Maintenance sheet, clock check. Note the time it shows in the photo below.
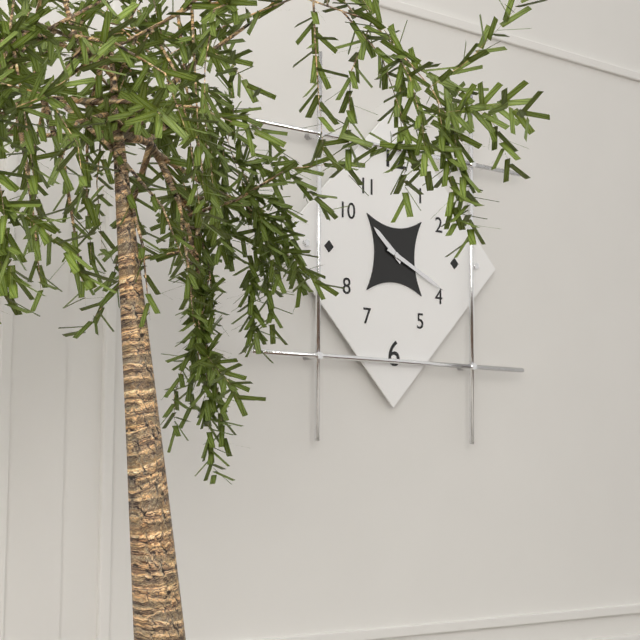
10:19
